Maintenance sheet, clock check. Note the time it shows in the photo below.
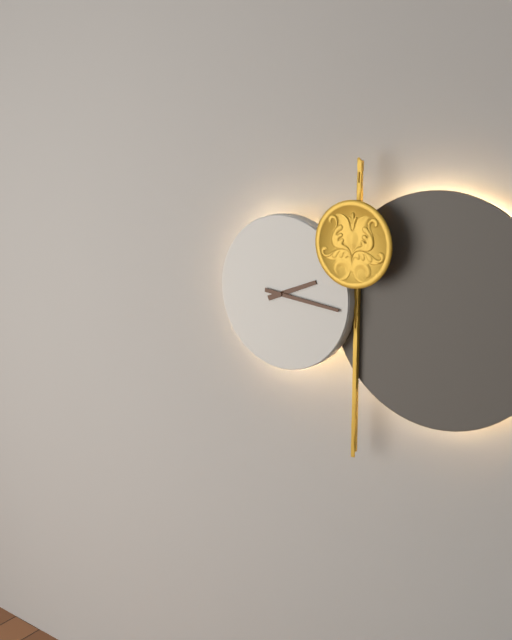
2:16
